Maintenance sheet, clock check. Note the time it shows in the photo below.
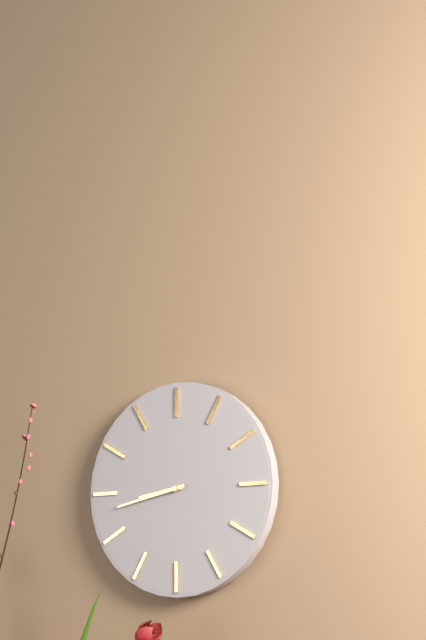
8:43
